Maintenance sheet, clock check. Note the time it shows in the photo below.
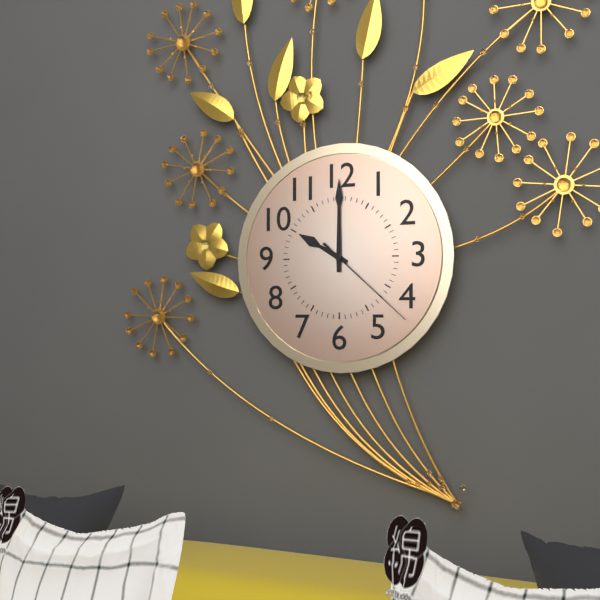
10:00:22
